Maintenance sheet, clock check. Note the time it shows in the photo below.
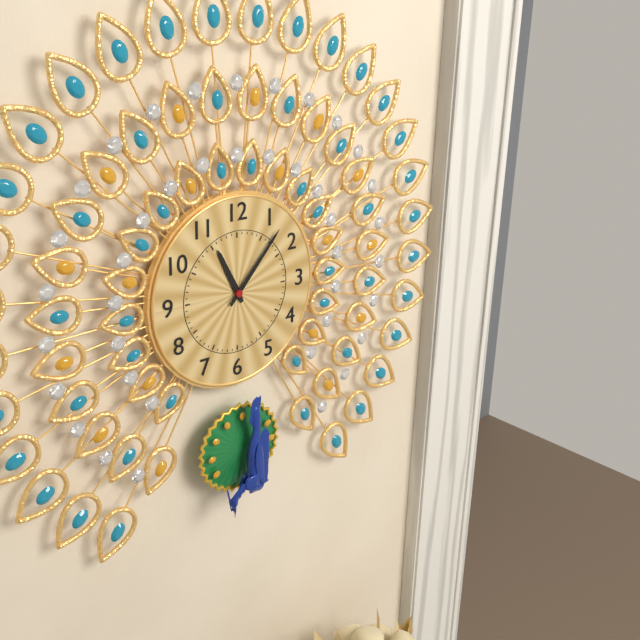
11:07
